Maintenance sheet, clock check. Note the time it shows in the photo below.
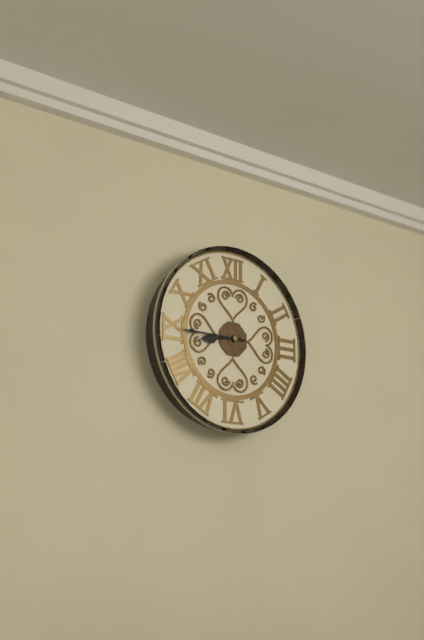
8:45
